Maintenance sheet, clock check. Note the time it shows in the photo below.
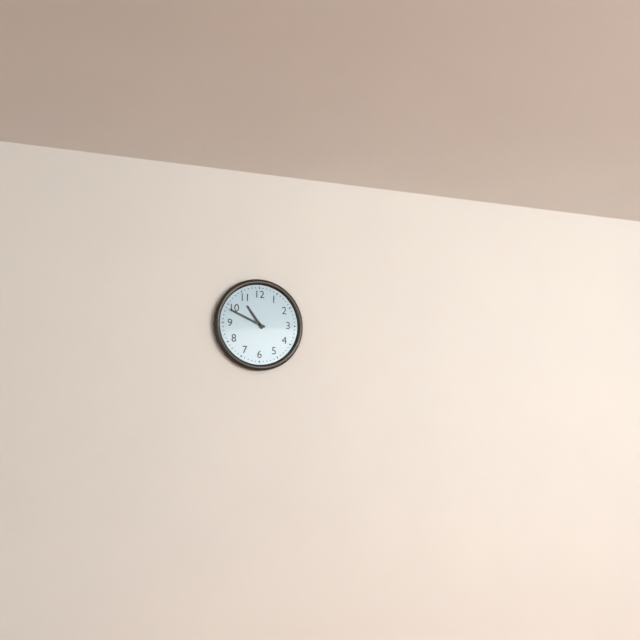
10:49
